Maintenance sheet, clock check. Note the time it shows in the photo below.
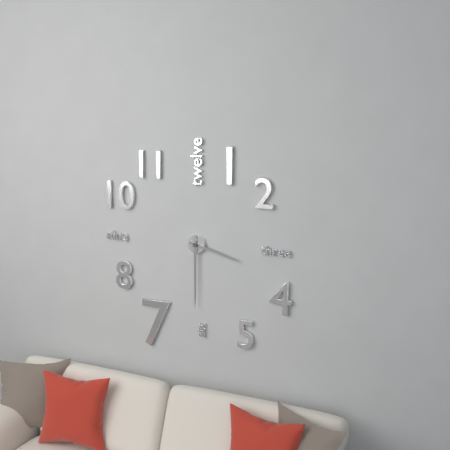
3:30
